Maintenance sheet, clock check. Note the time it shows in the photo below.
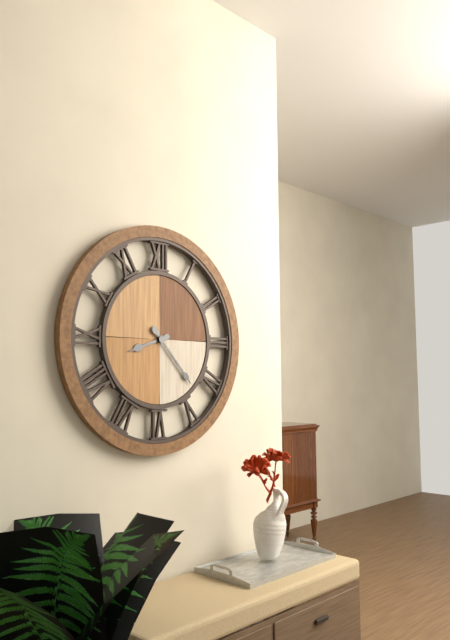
8:23
